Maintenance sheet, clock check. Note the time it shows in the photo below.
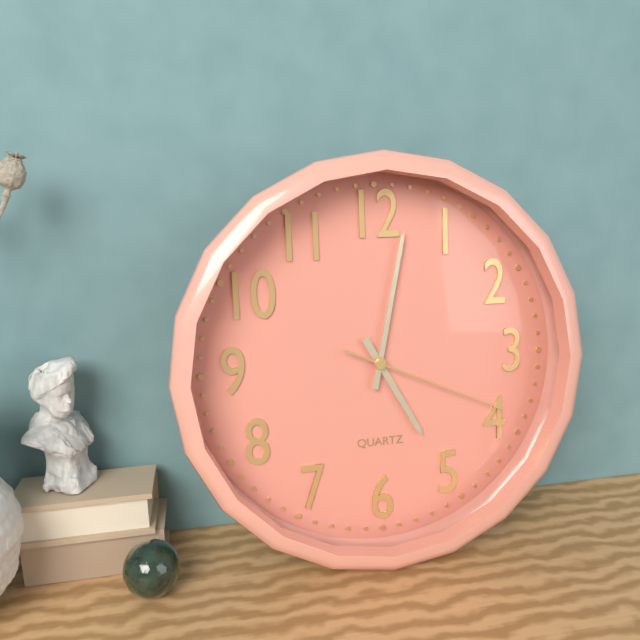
5:02:19
